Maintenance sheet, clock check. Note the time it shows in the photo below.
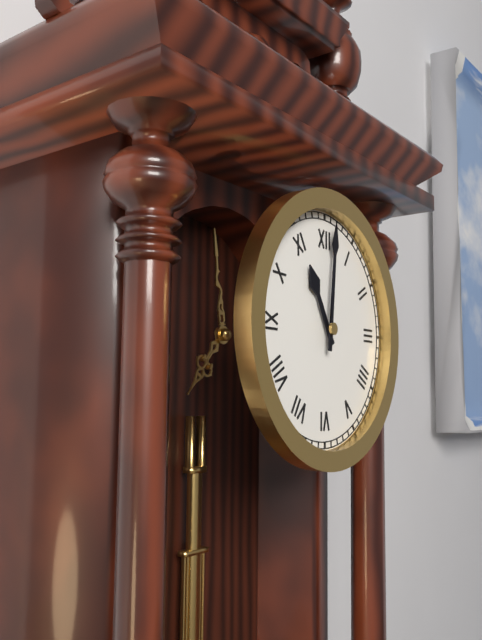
11:01
